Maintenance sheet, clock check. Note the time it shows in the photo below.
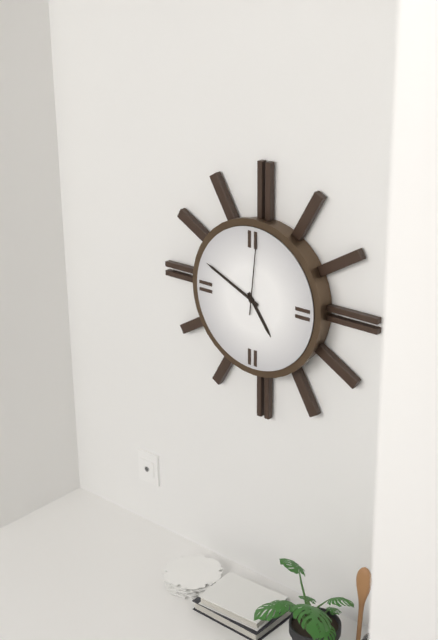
4:49:01
